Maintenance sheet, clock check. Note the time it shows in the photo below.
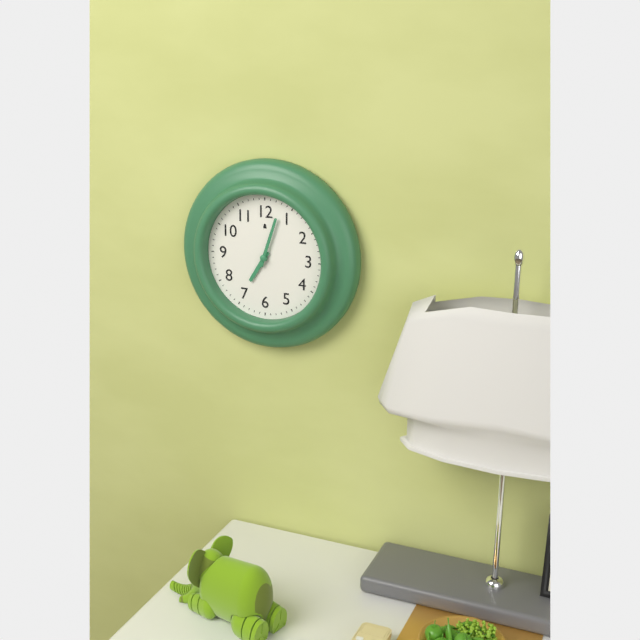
7:03
